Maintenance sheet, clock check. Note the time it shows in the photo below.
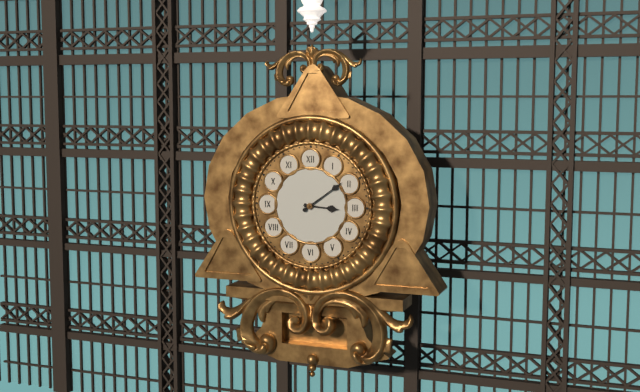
3:09
